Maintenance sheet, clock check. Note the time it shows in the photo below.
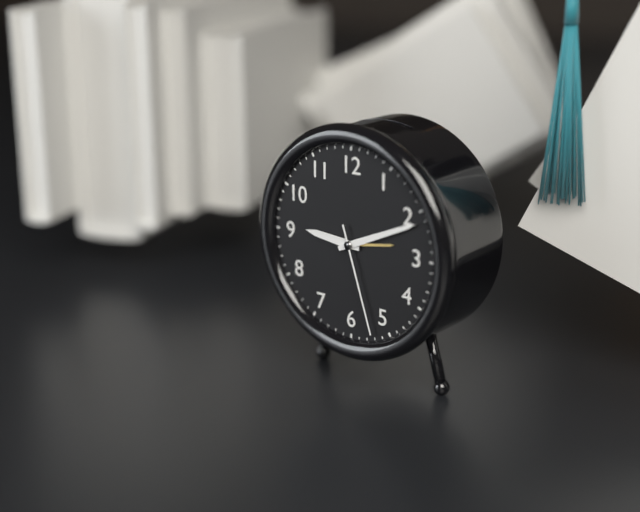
9:11:27
